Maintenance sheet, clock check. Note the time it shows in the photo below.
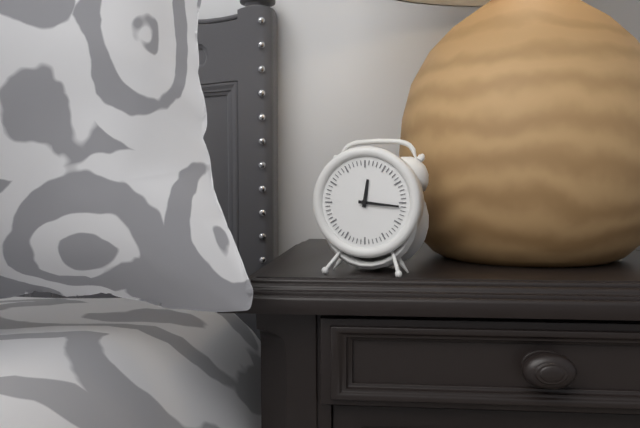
12:16
